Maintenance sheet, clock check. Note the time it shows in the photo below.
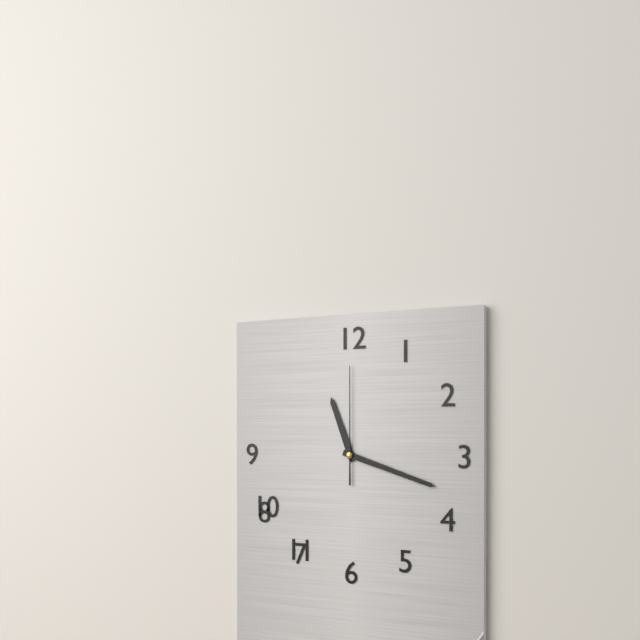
11:18:00
